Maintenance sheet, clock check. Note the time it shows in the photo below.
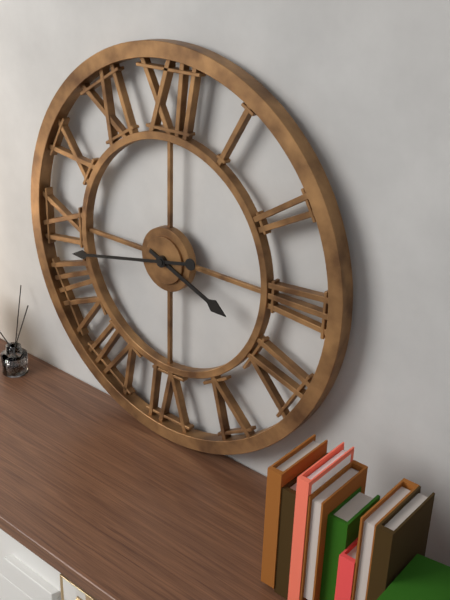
3:43
